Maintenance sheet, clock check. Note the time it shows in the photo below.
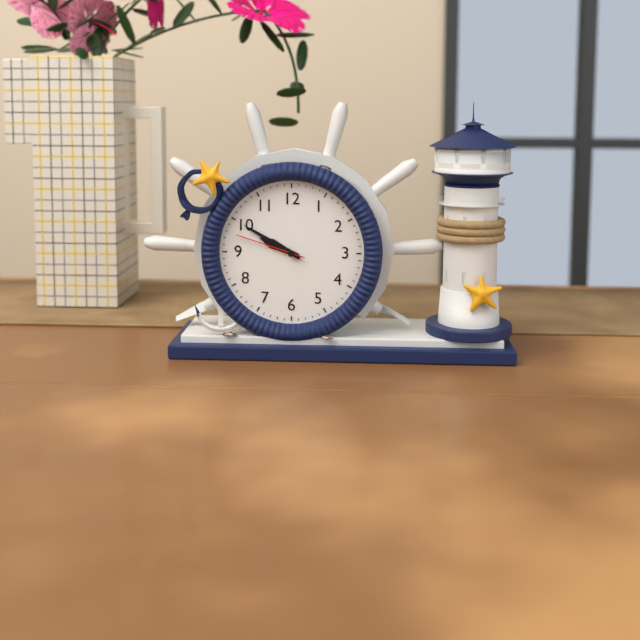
9:50:48
